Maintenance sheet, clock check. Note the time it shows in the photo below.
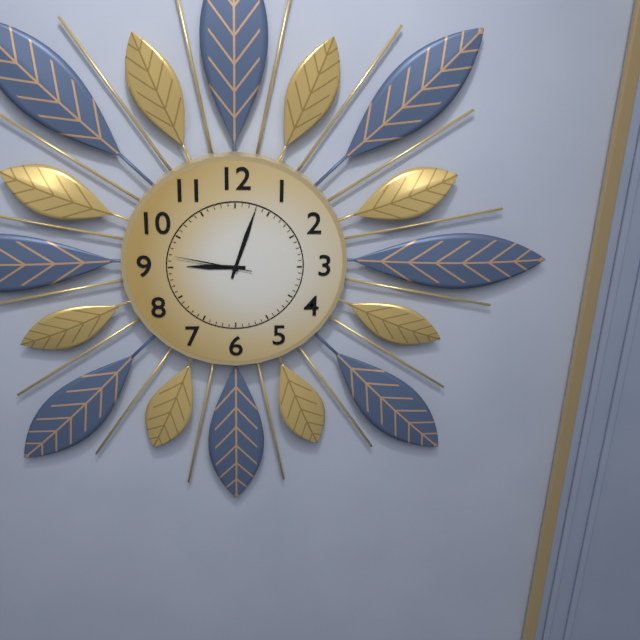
9:03:47
